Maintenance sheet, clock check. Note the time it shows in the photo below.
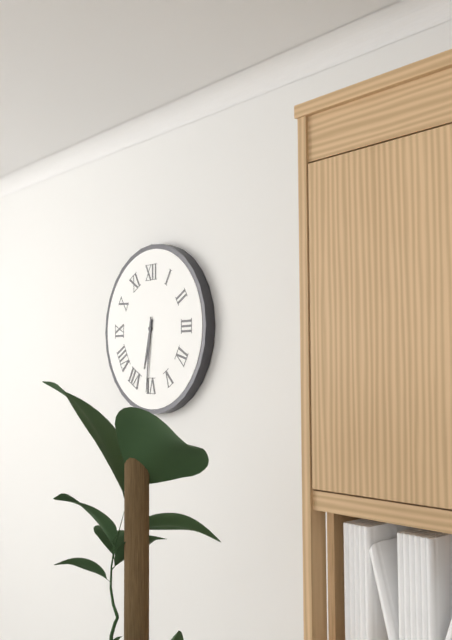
6:31
